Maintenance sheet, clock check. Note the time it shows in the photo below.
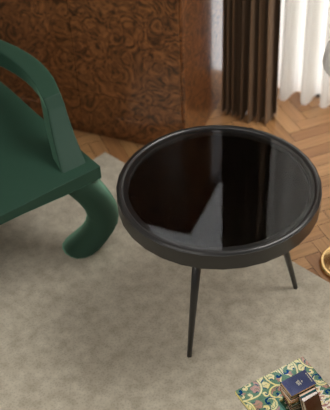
12:24
